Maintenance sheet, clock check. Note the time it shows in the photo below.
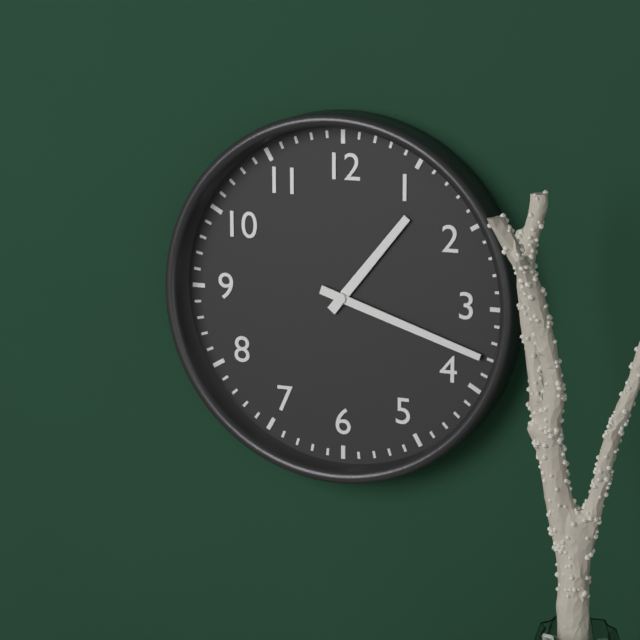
1:18
